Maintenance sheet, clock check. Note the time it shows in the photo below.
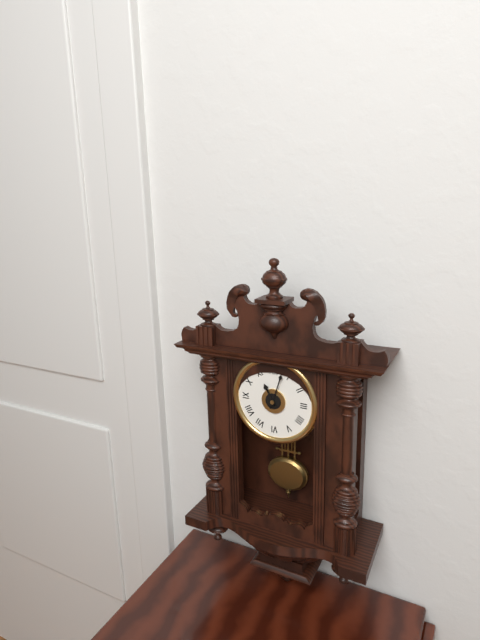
11:03
